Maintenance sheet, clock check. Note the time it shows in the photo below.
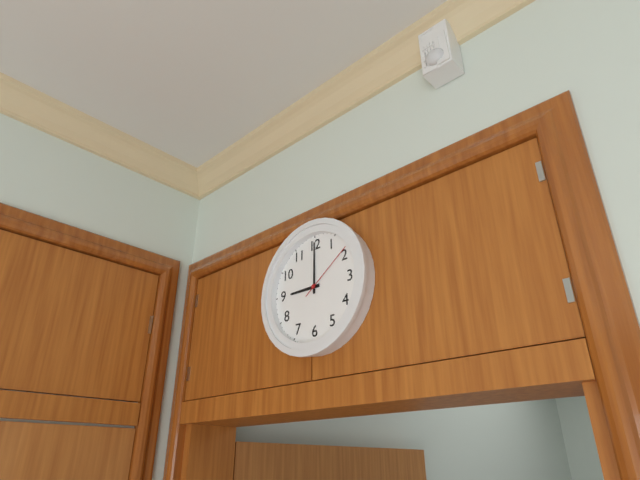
9:00:09
